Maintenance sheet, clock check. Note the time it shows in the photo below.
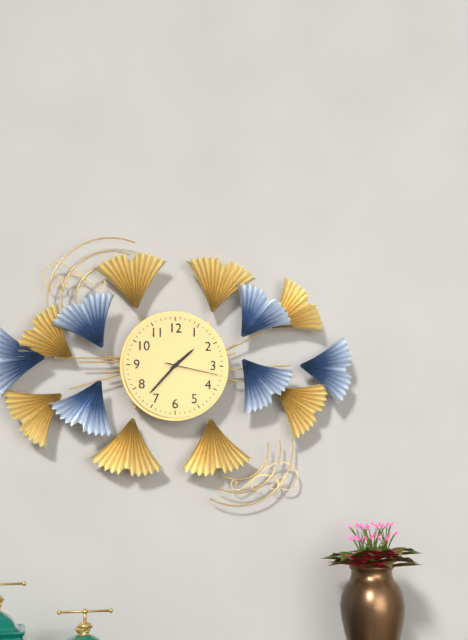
1:37:17
